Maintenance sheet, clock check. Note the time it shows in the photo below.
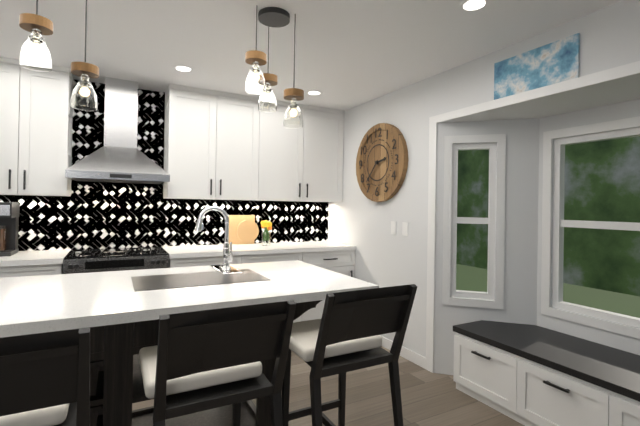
2:37
